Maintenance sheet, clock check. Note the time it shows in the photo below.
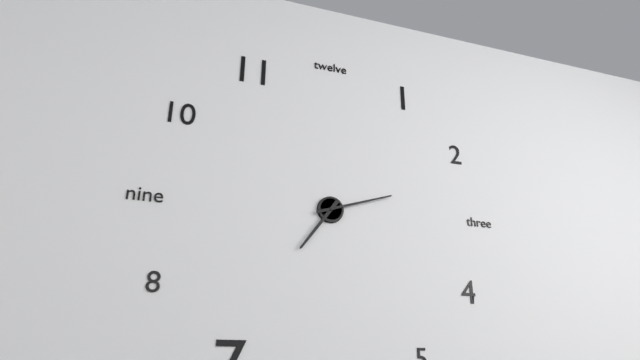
7:12
